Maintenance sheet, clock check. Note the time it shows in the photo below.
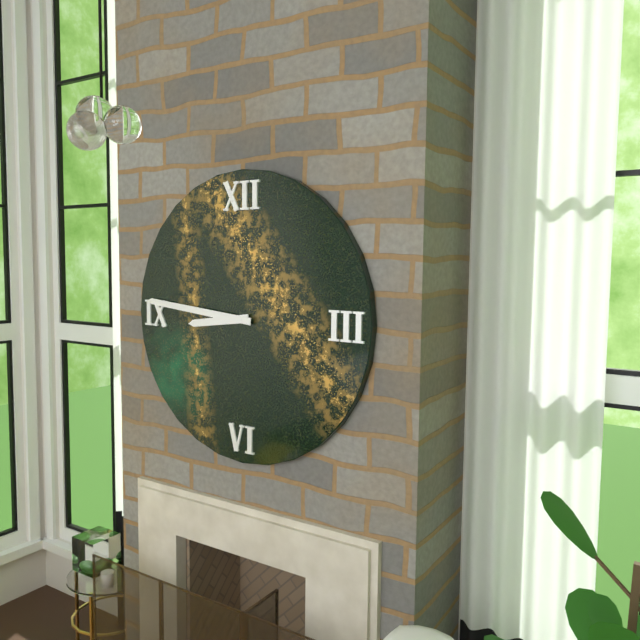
8:46
